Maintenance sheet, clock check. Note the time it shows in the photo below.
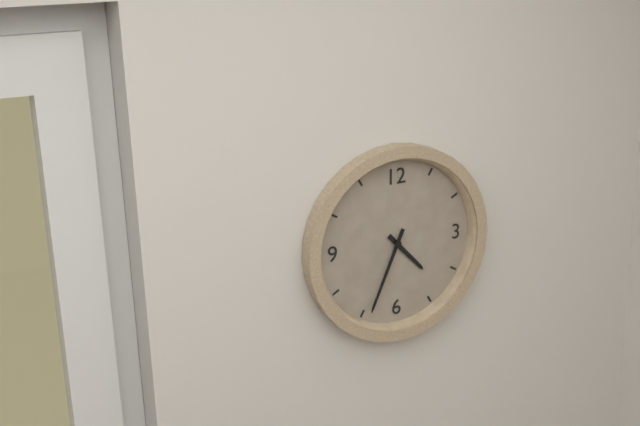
4:34
